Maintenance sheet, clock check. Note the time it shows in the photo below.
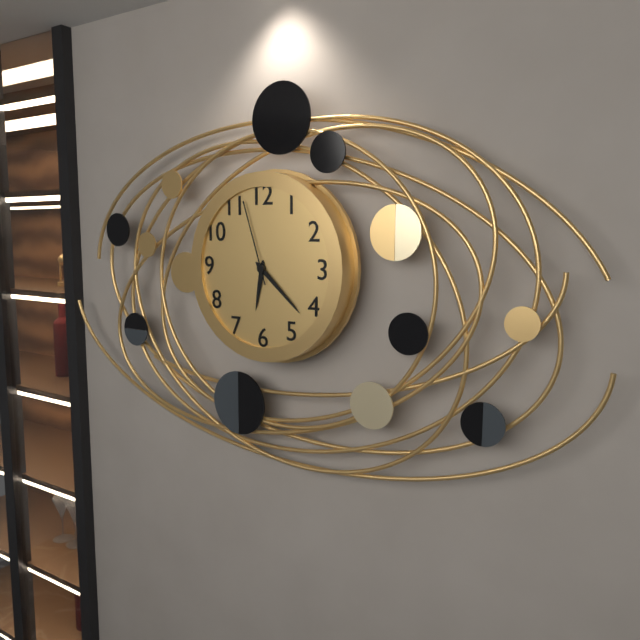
6:22:57
